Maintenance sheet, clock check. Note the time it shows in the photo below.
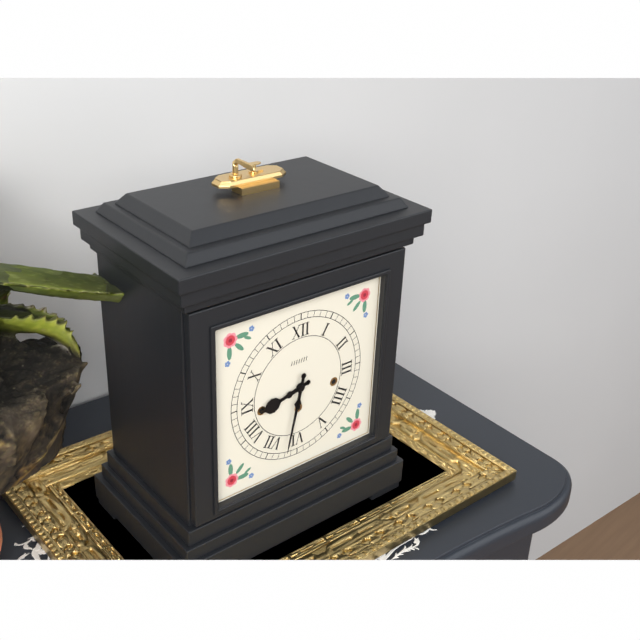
8:32
